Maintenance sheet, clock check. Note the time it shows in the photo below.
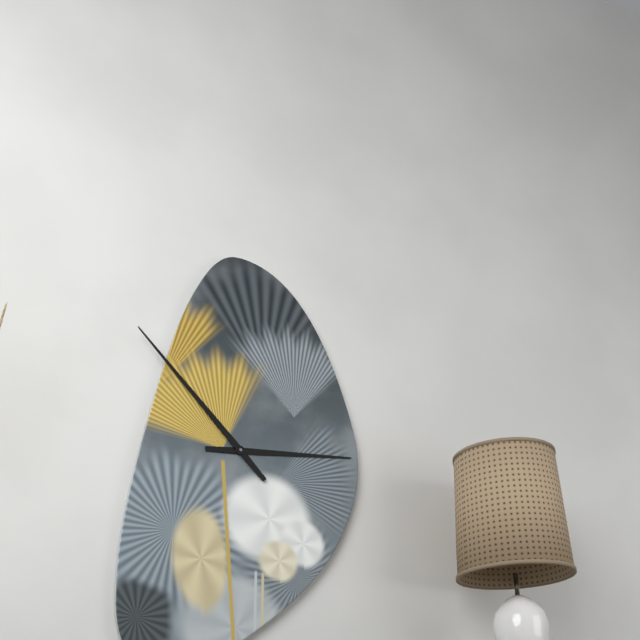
2:53
